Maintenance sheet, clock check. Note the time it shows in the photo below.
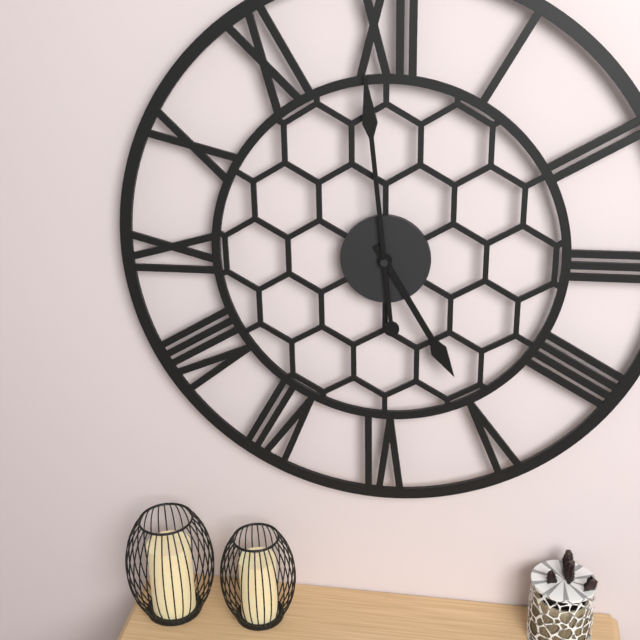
4:59
